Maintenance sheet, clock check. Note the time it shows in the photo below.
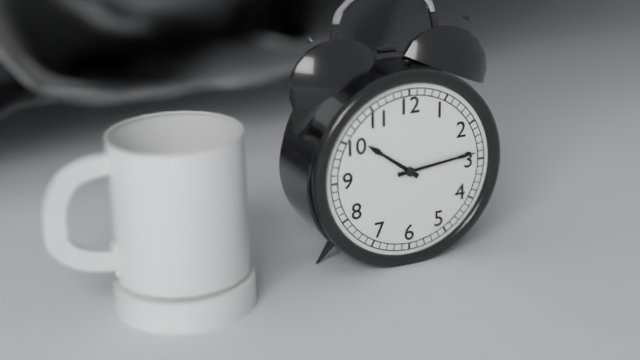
10:14
